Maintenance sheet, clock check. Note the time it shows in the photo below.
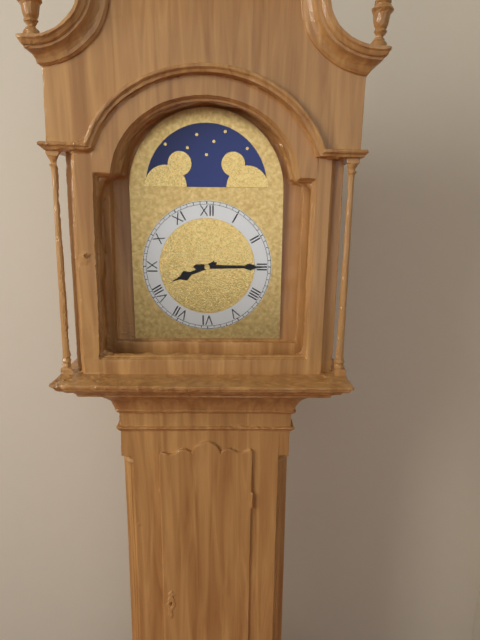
8:15
